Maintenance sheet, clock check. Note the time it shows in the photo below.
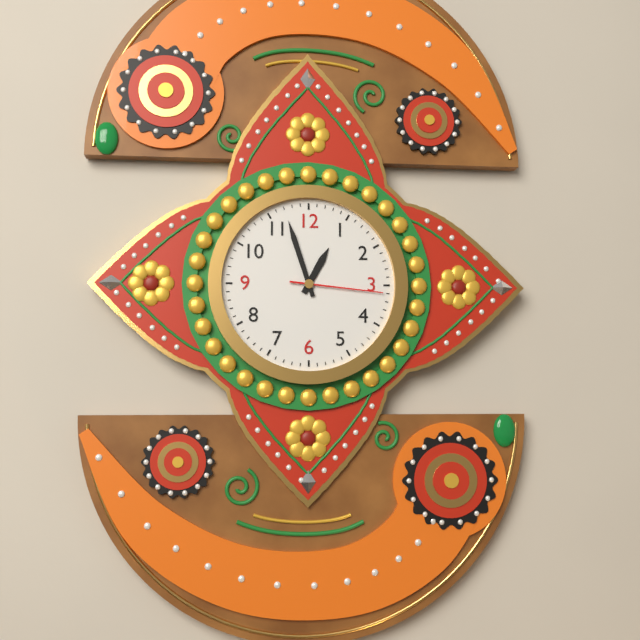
12:57:16
